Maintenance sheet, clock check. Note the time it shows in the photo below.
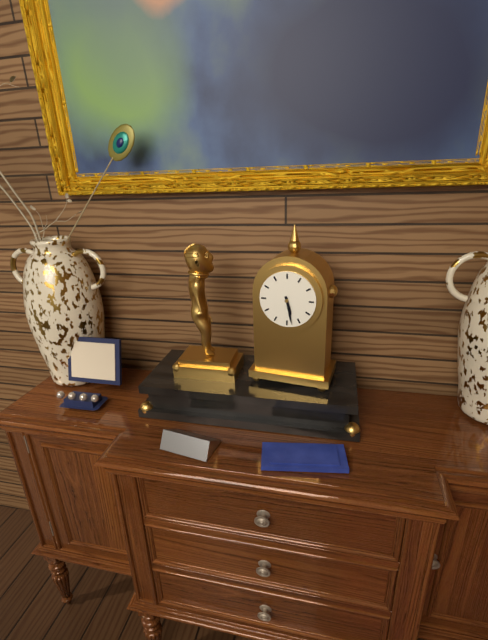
5:28
